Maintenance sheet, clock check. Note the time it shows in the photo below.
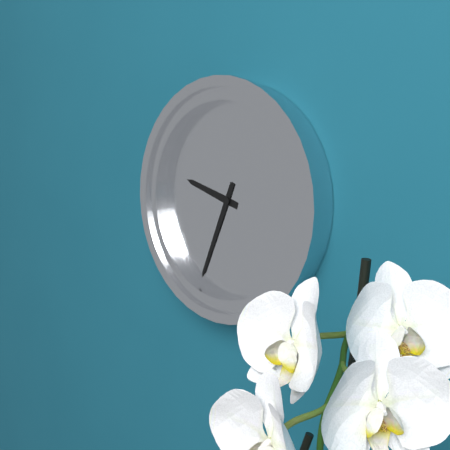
9:34
